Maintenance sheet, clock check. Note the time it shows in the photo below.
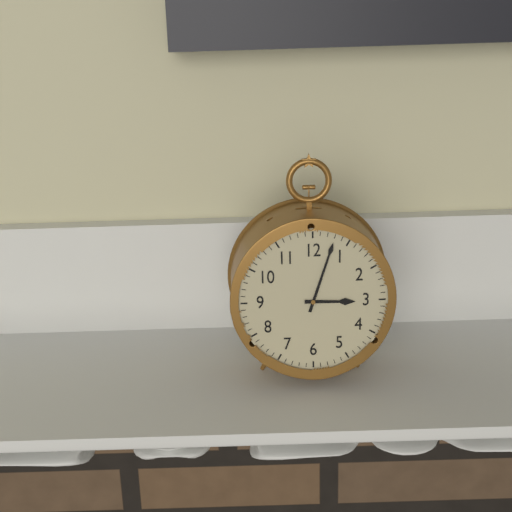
3:03
